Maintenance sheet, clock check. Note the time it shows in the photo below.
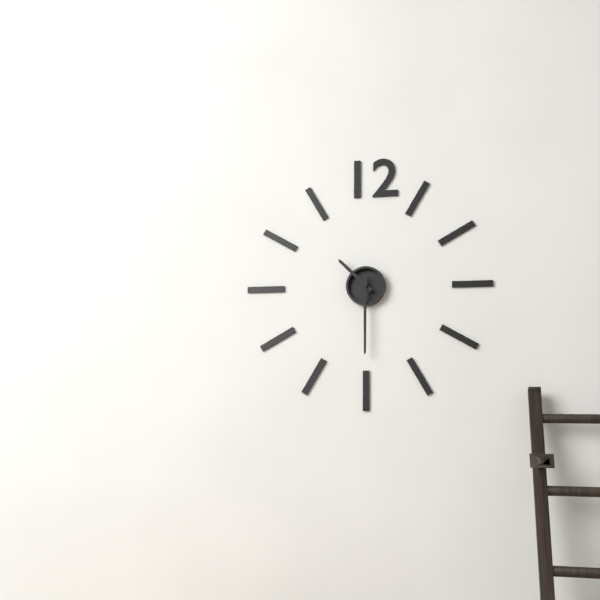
10:30
